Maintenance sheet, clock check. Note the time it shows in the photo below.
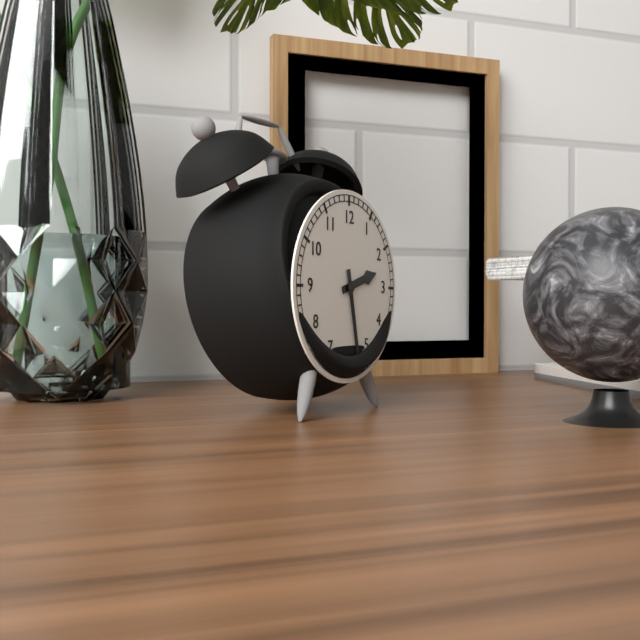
2:28
